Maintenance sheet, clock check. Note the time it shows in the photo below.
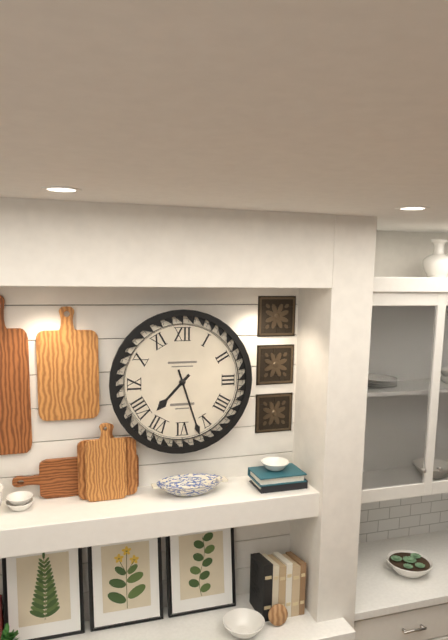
7:27
